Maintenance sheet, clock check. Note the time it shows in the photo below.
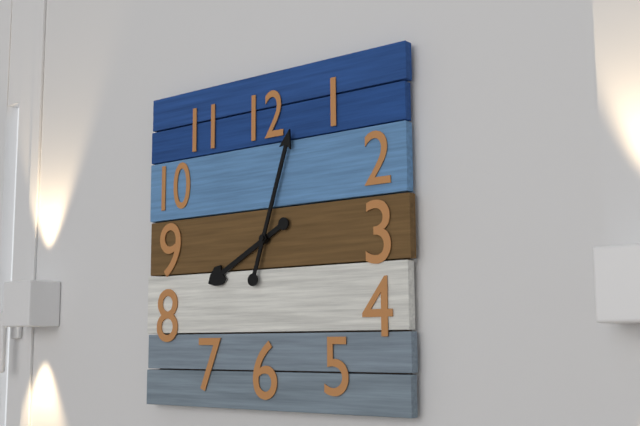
8:03
